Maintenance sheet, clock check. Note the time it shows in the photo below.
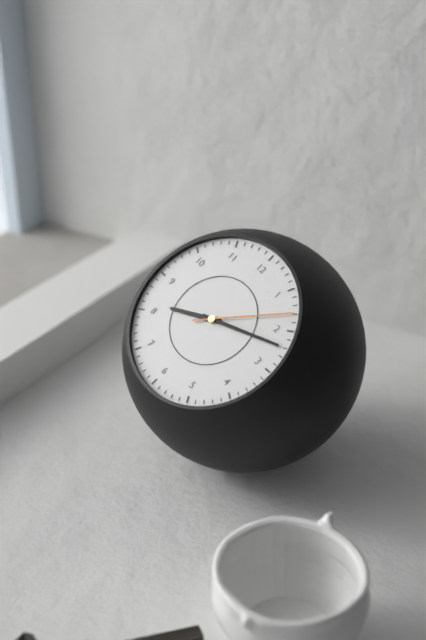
8:12:08
